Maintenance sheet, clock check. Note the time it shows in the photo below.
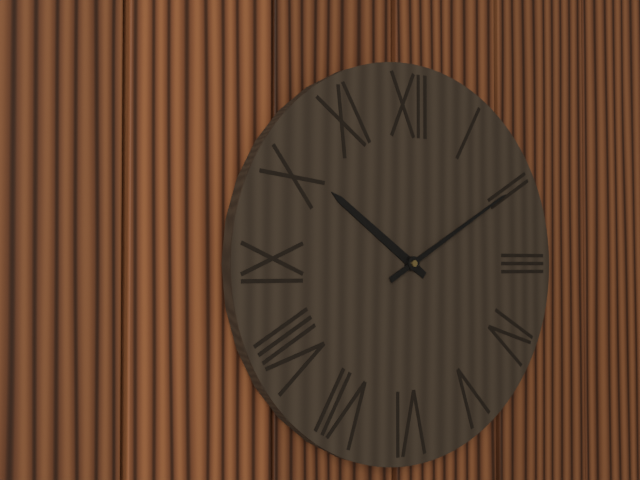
10:10
